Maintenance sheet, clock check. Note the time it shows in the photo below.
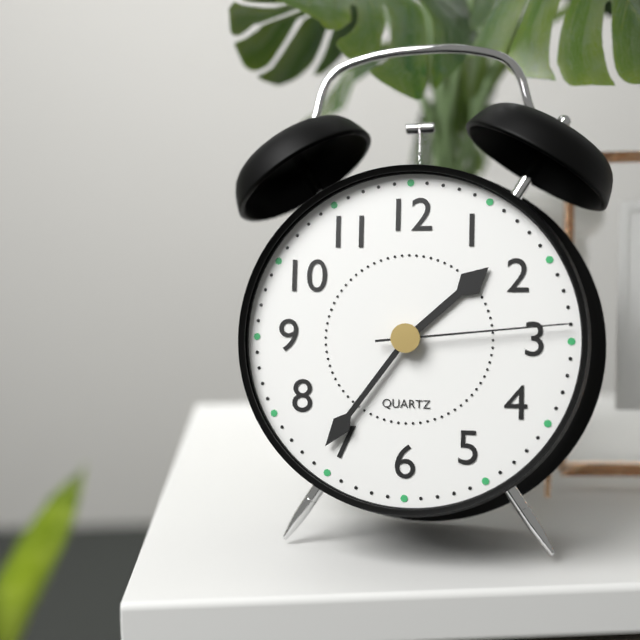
1:36:14
